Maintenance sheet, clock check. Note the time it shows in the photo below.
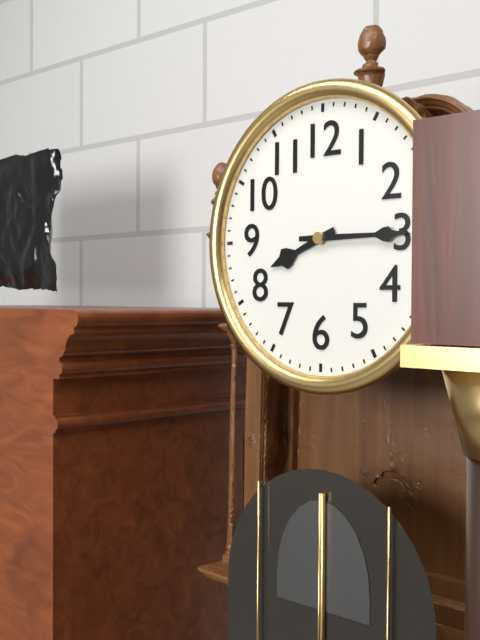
8:15
